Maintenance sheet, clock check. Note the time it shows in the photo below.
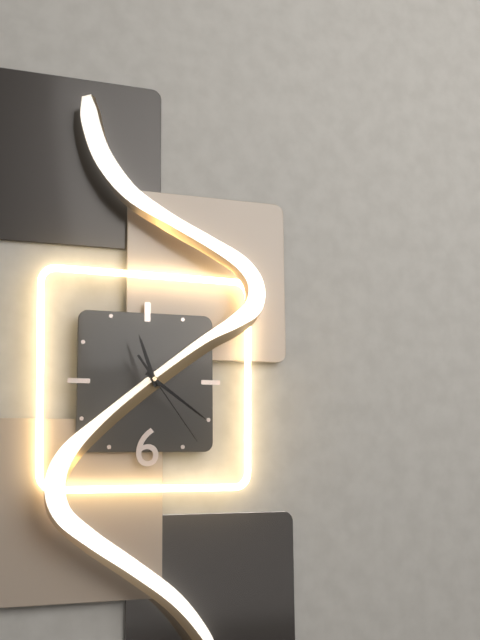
11:21:24
